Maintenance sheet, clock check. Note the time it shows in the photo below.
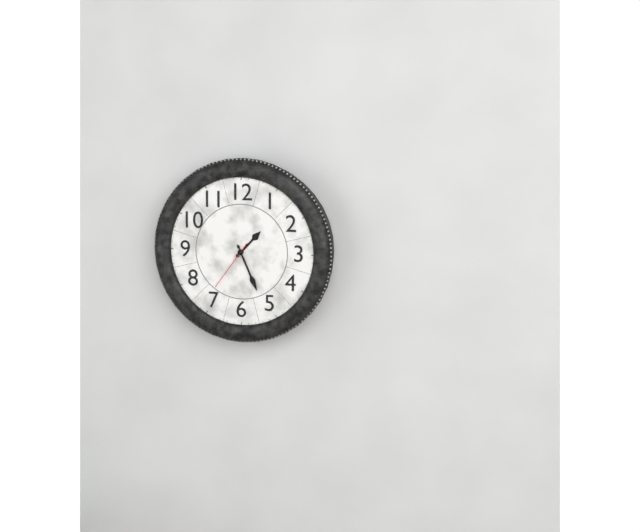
1:26:36
